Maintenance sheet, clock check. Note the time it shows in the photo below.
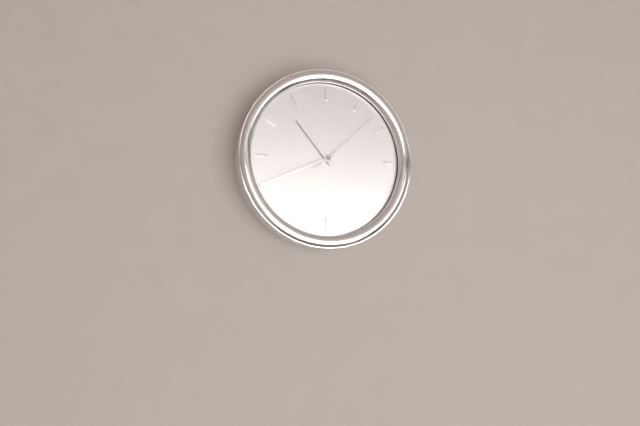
10:41:08
